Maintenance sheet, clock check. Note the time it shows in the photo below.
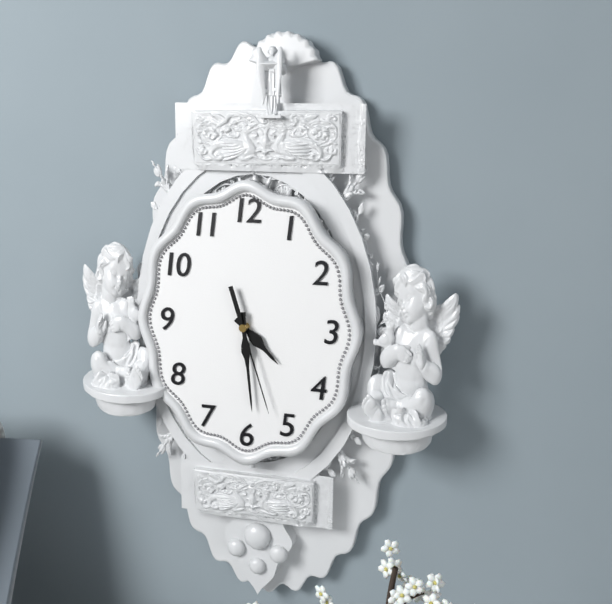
4:29:27
